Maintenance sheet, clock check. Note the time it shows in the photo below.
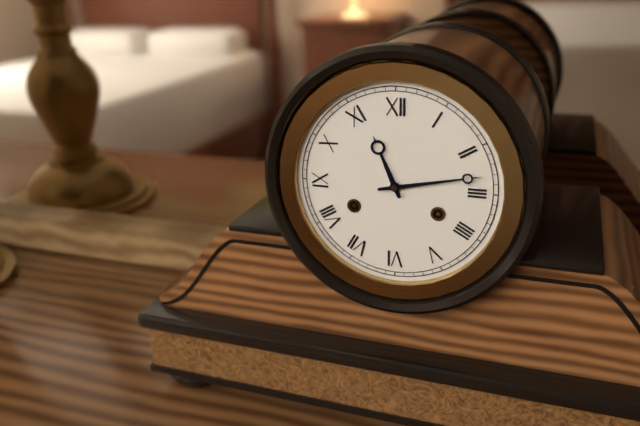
11:13
